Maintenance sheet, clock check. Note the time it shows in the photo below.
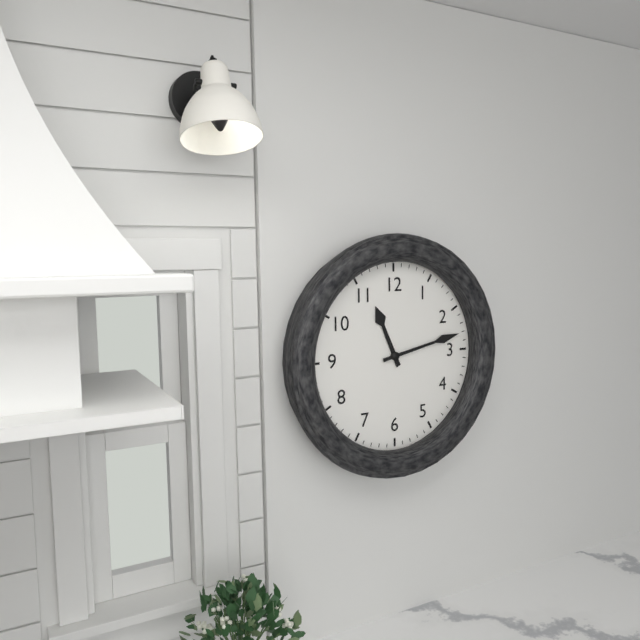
11:13
